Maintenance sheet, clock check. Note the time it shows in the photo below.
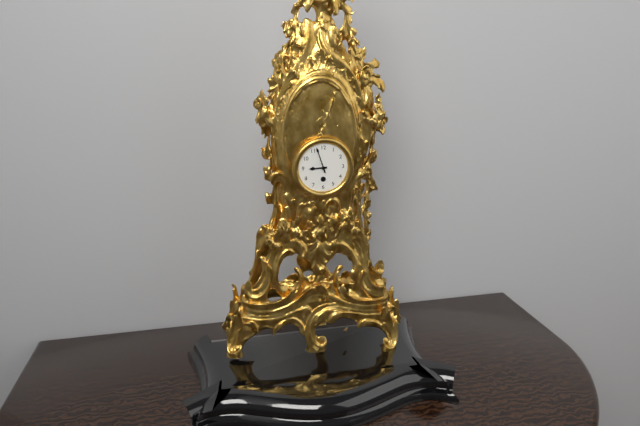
8:57
